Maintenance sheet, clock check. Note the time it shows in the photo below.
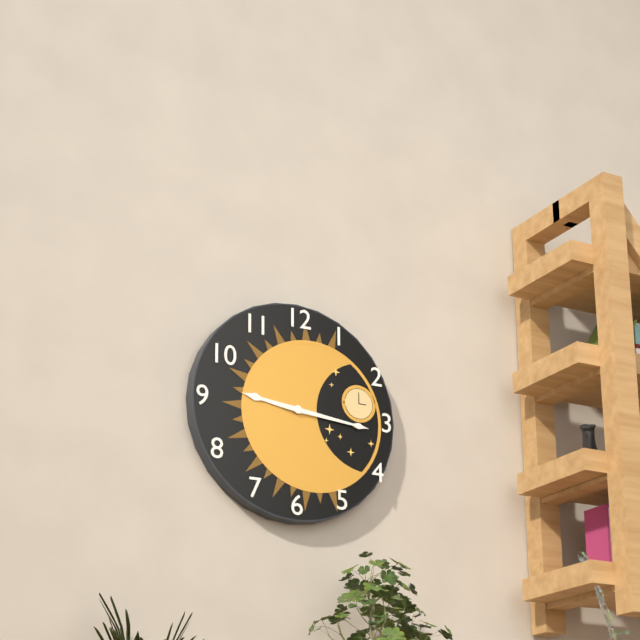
9:16
